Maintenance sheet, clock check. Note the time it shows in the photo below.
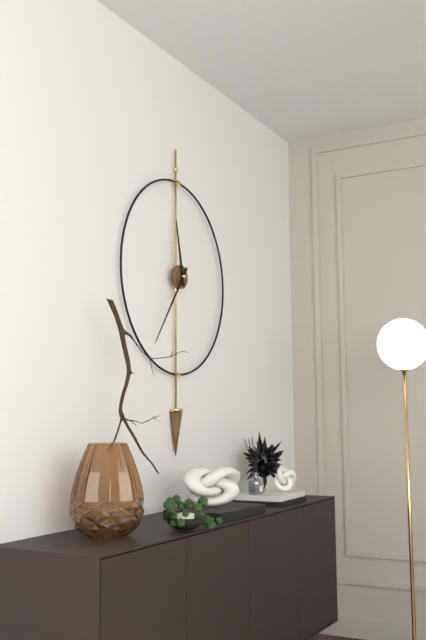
11:36
